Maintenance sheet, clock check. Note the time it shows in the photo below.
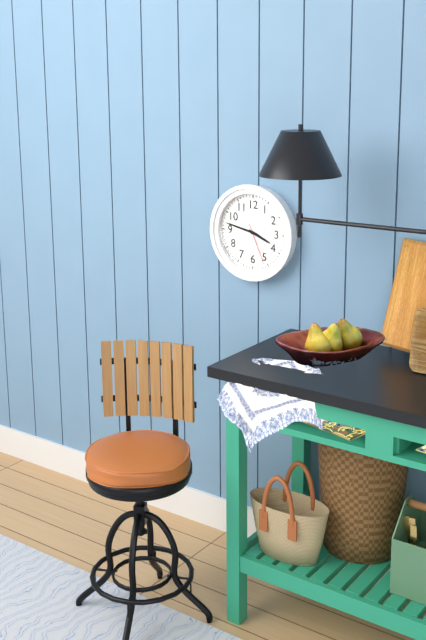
3:47
